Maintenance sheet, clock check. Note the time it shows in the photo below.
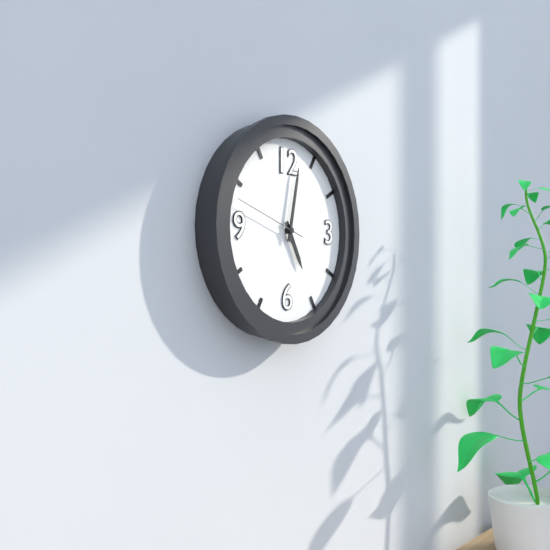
5:02:48
